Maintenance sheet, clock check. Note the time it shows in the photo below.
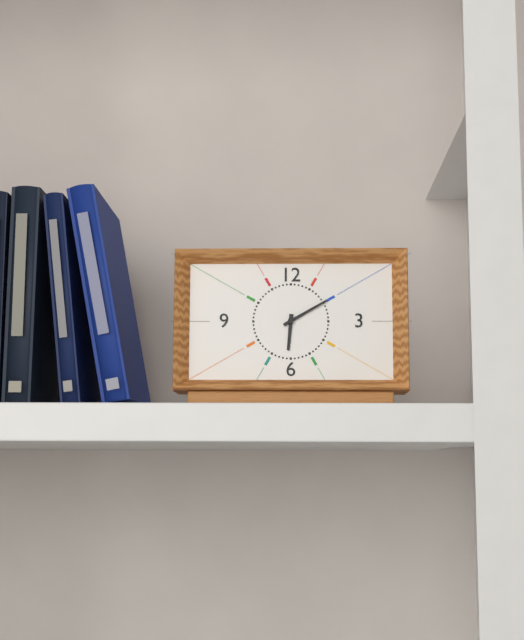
6:10
